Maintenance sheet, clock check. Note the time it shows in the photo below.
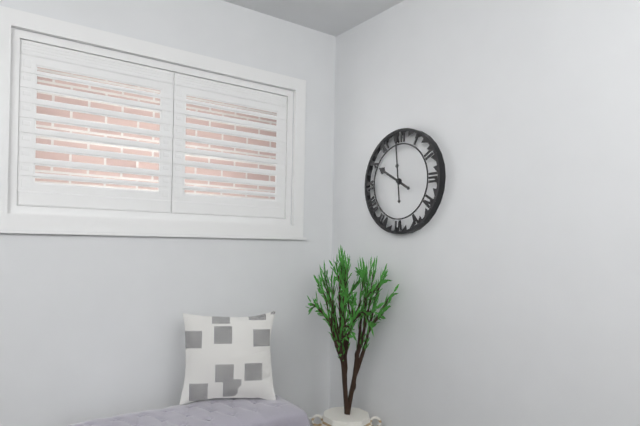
9:59
